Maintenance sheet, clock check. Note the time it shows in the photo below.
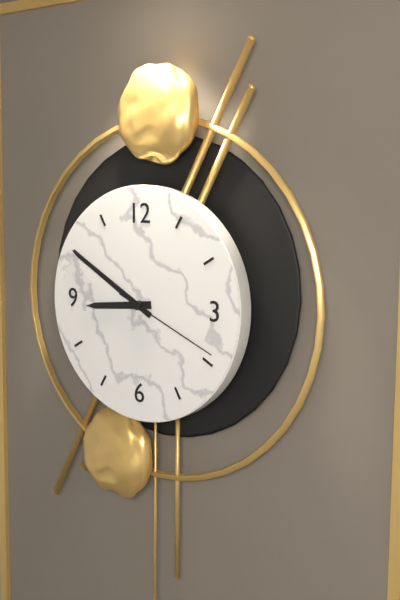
8:50:19
